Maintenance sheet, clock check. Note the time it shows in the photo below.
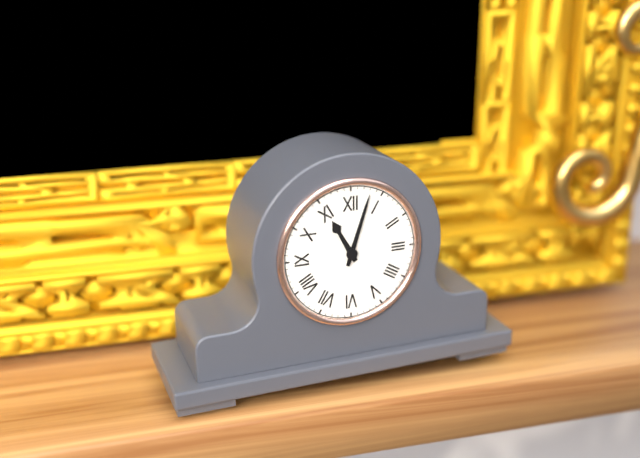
11:03
